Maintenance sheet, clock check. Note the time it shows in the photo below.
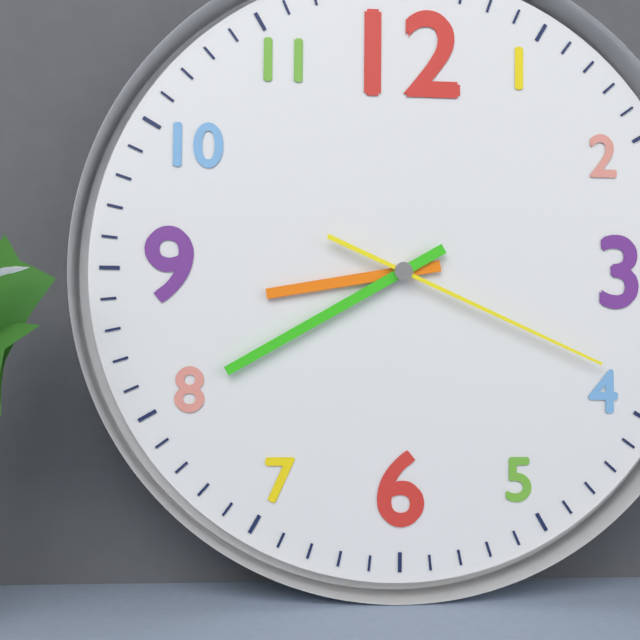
8:40:19
